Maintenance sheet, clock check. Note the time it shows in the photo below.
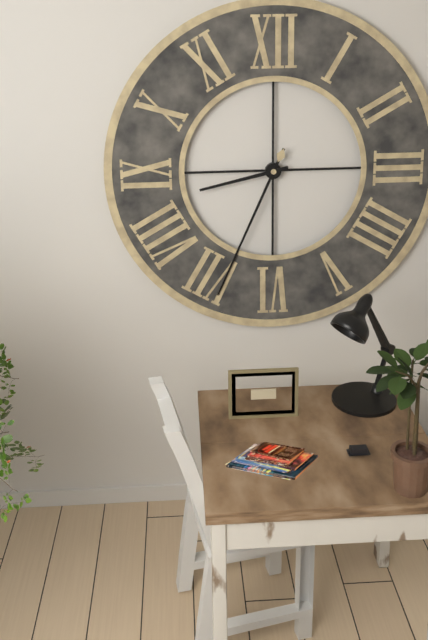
8:34
